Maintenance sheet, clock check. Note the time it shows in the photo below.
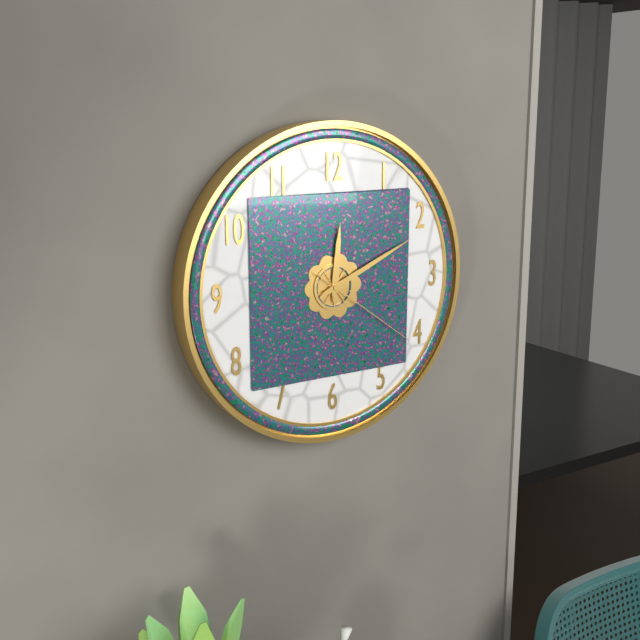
12:11:21
